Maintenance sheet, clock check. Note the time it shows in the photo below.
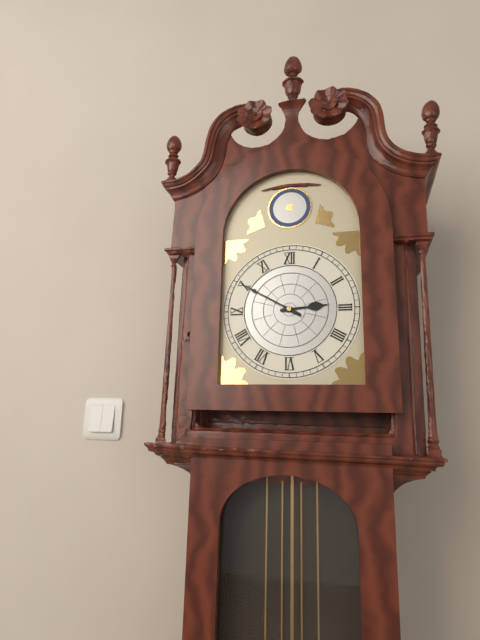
2:50
